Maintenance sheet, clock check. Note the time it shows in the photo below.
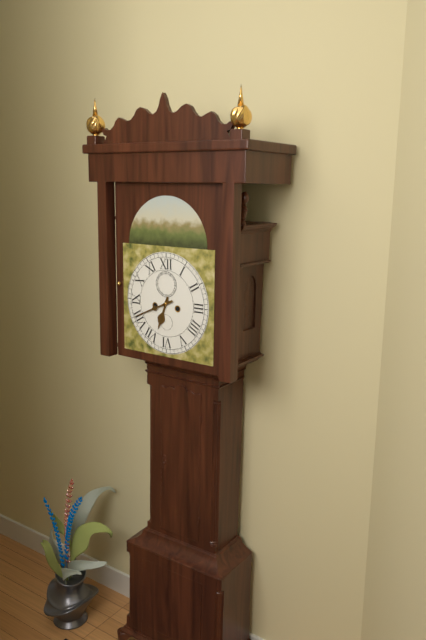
6:41
